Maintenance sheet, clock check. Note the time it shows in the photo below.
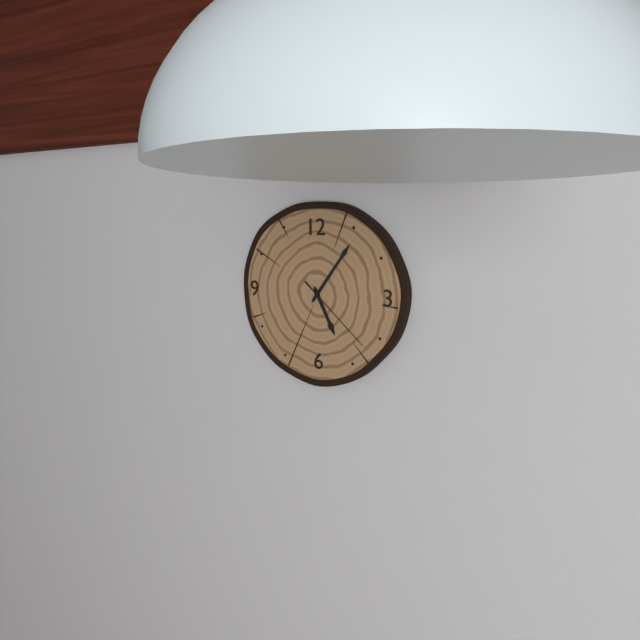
5:06:22
